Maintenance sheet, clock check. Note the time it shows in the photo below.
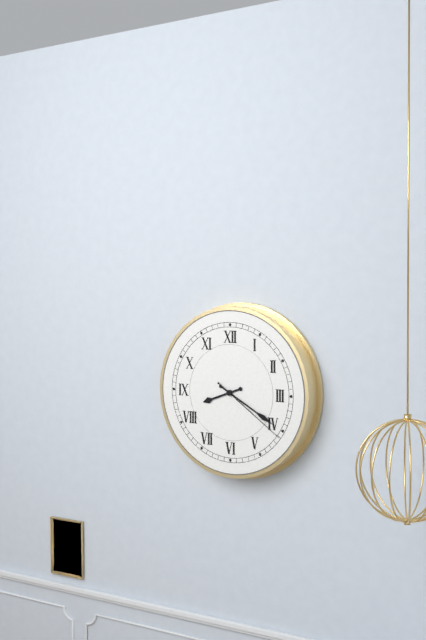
8:20:21
